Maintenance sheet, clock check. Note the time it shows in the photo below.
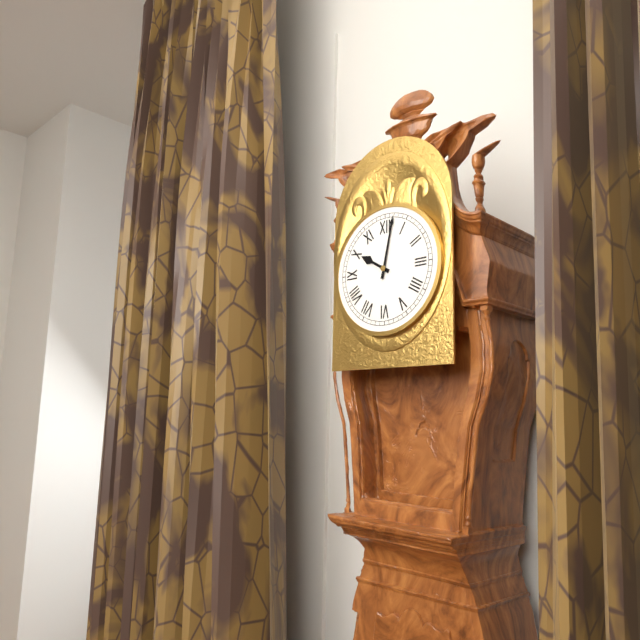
10:02
